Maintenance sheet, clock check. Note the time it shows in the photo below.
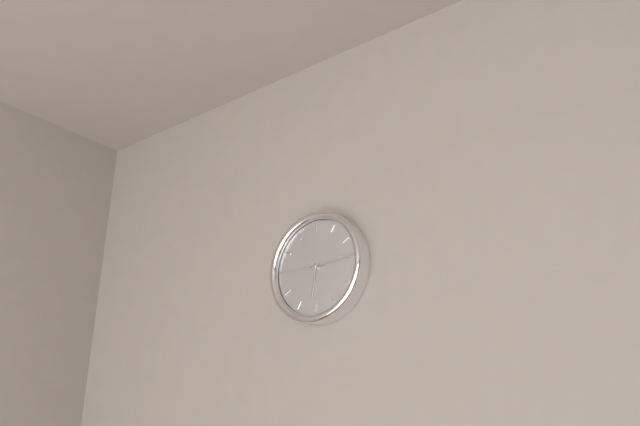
6:14:45
